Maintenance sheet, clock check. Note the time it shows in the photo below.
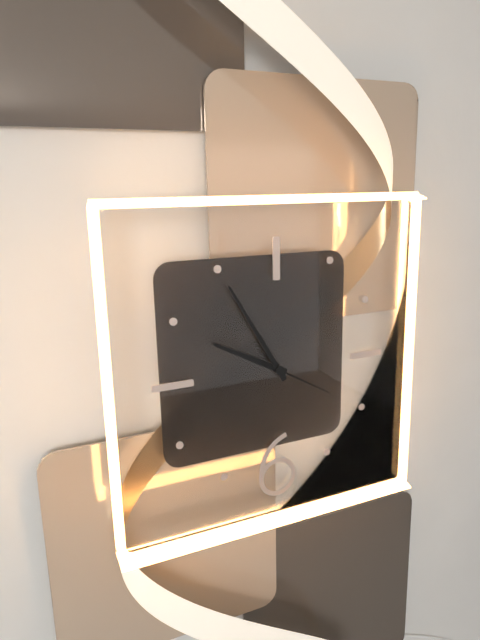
9:55:20
